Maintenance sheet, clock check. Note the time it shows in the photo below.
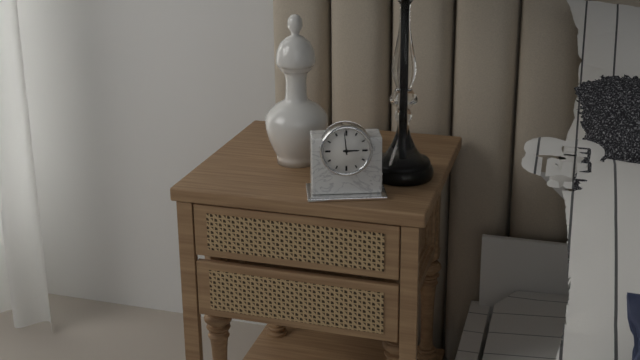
2:59
